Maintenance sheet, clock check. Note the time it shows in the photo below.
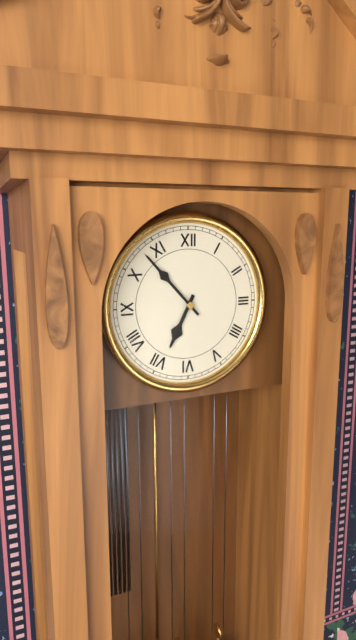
6:53
